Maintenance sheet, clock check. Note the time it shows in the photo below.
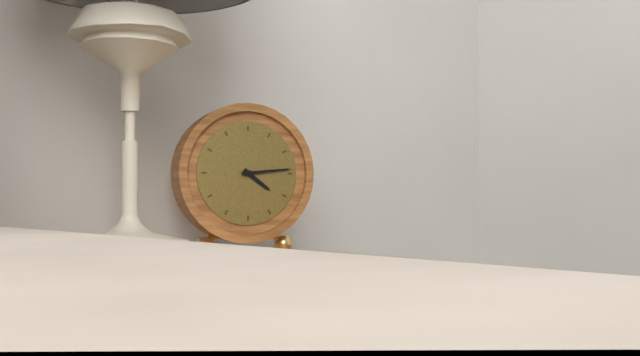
4:14
